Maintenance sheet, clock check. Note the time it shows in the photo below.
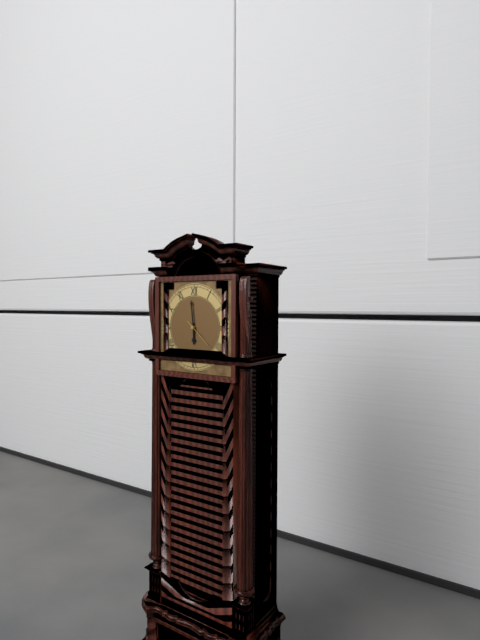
5:59
